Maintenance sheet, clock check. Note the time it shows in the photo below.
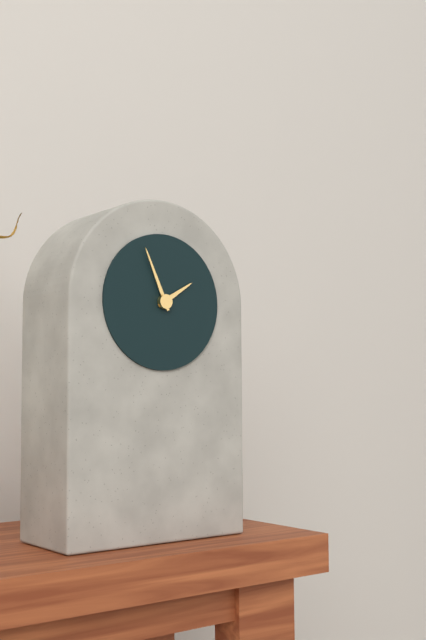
1:56
